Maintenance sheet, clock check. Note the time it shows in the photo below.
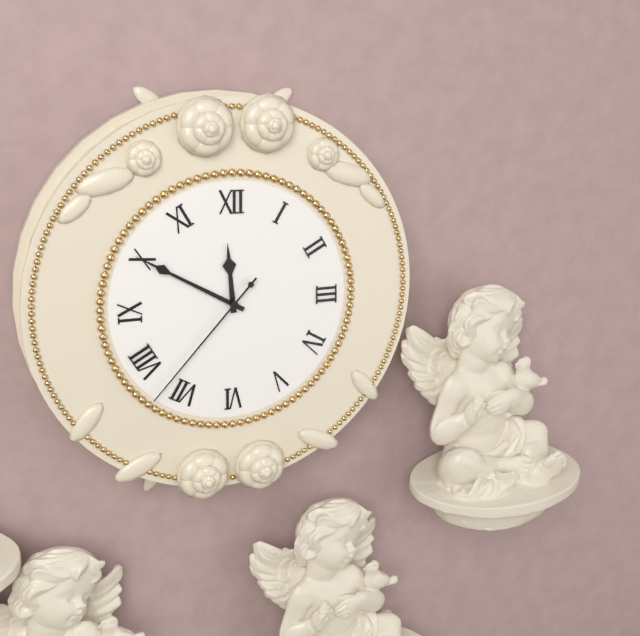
11:50:37
